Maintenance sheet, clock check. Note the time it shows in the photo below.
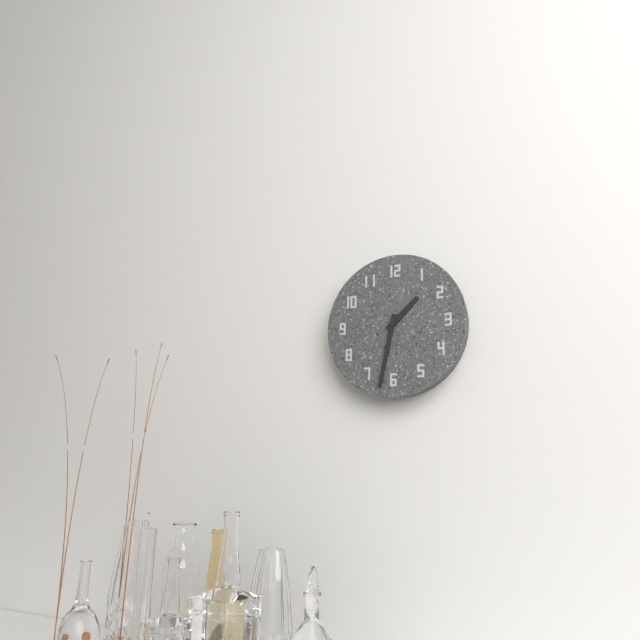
1:32
